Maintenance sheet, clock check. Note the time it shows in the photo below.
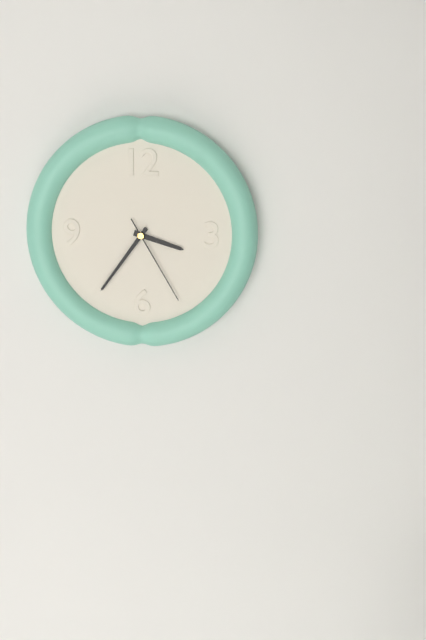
3:36:25
